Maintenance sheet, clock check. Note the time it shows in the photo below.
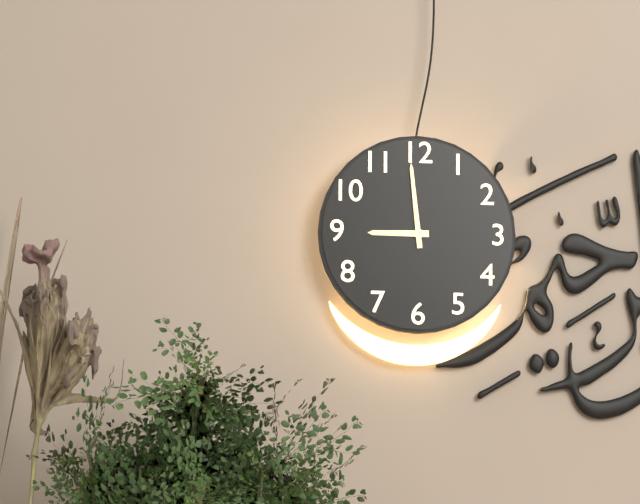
8:59
